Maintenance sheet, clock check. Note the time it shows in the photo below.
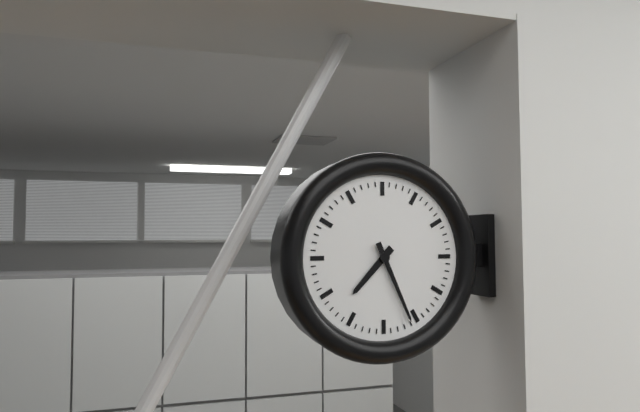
7:26
